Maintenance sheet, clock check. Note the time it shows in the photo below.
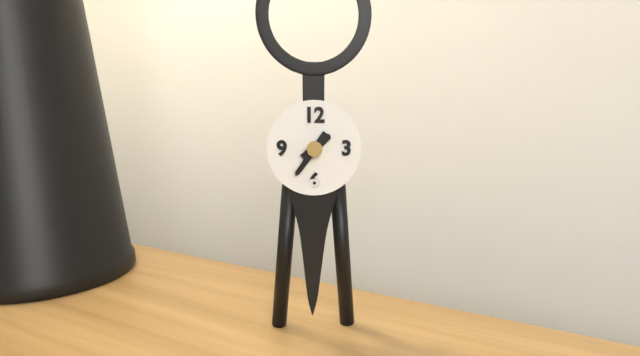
1:36
